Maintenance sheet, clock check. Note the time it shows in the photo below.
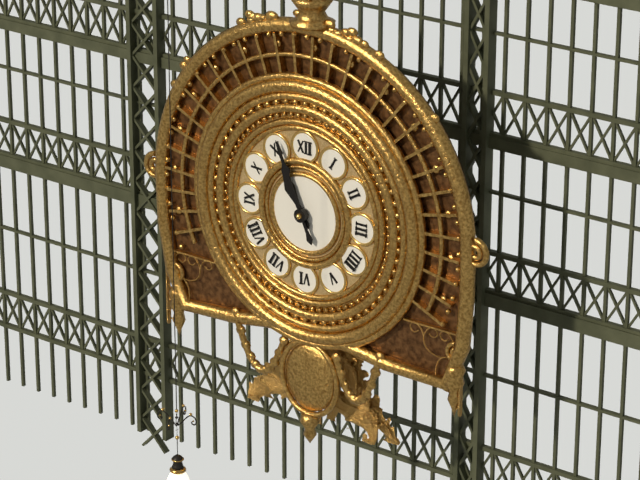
10:56
